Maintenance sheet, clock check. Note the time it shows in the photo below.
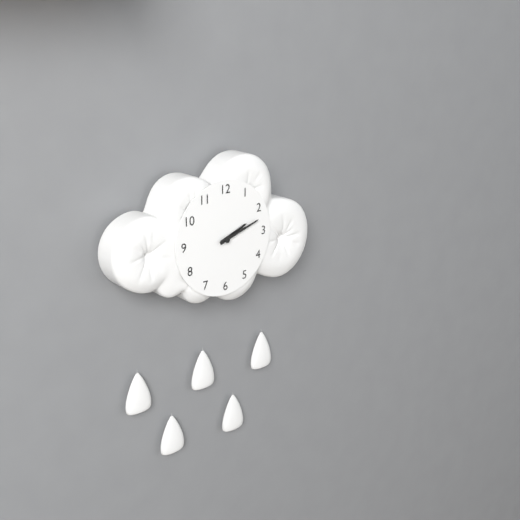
2:12
